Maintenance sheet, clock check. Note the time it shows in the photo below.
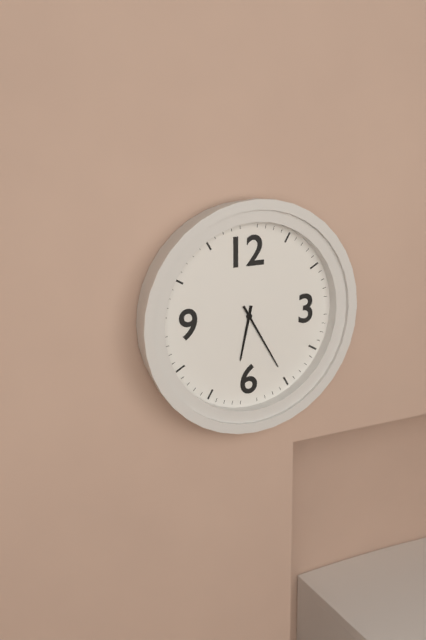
6:25
